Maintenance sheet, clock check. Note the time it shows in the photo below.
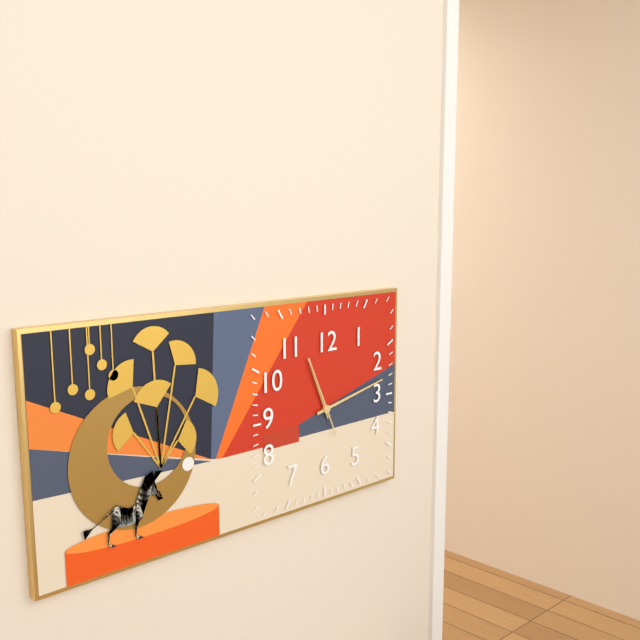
11:13:56
